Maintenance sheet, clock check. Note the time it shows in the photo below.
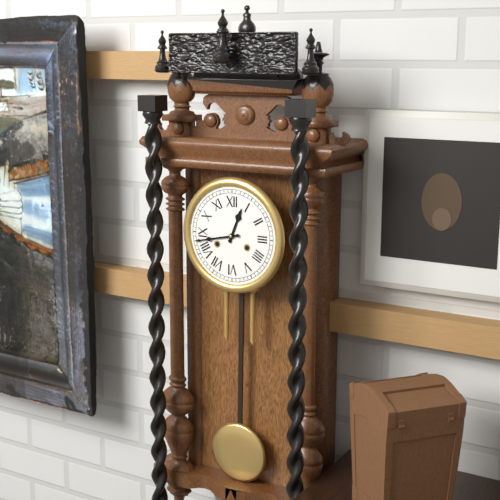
12:43
